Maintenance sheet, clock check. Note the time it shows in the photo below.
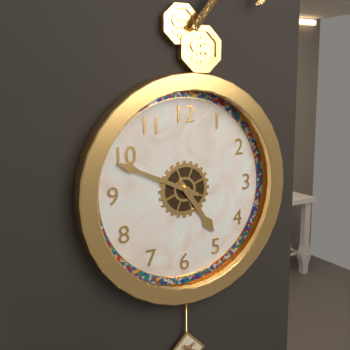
4:49
